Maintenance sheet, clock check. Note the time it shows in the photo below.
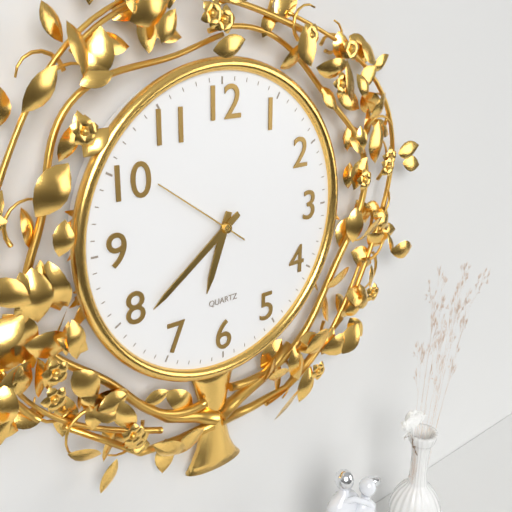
6:39:51
